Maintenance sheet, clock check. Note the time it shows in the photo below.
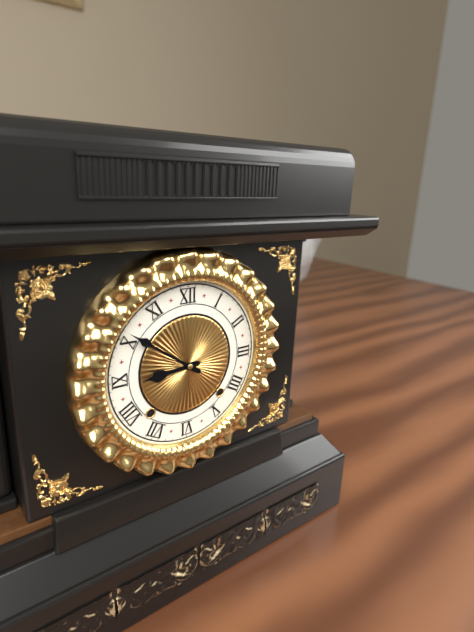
8:51
